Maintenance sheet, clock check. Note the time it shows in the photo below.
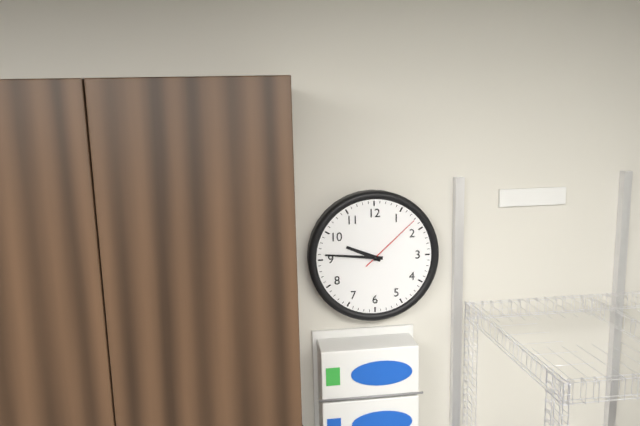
9:46:08
